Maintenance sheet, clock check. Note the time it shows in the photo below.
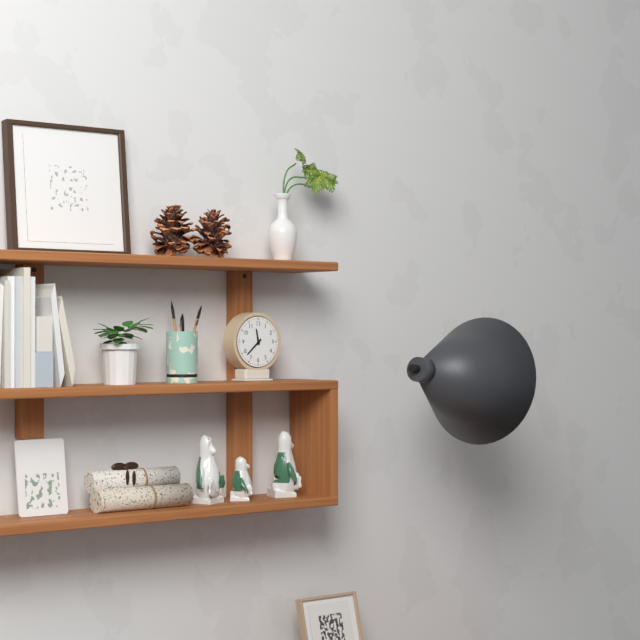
11:38
